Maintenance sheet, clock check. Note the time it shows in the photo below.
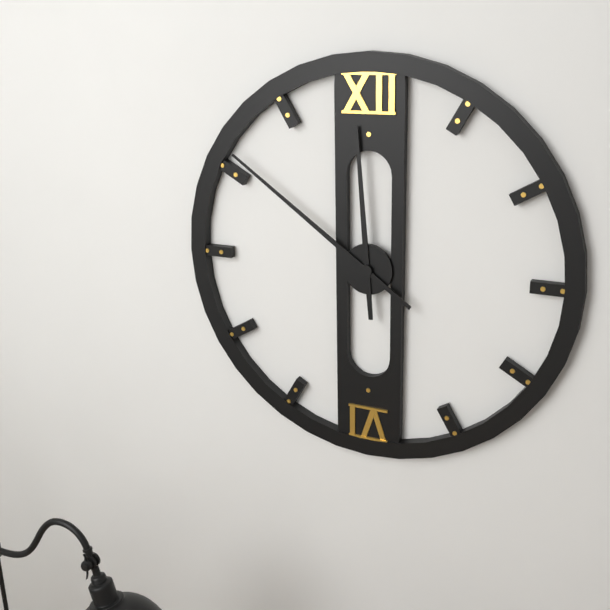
11:51
